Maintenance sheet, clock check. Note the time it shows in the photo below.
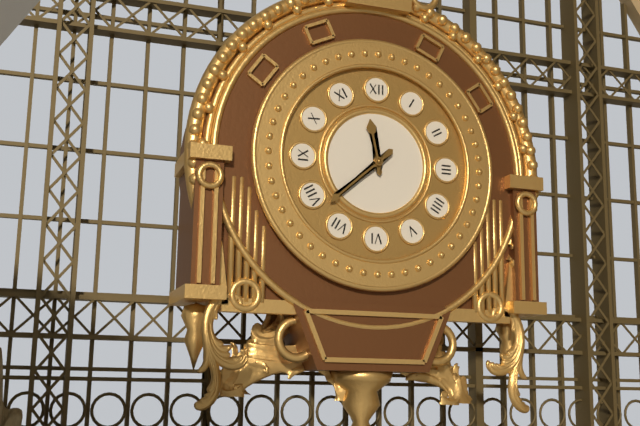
11:38
